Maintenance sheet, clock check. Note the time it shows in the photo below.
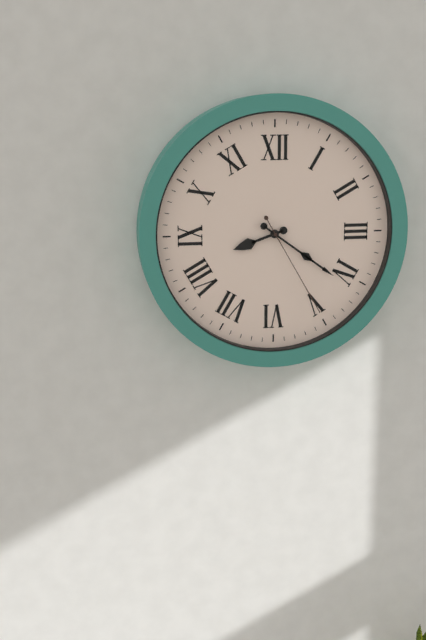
8:21:25
